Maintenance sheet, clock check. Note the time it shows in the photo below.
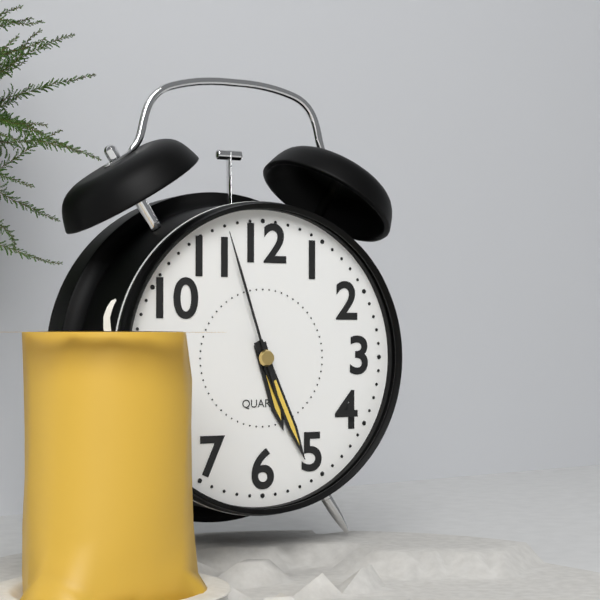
5:26:57
